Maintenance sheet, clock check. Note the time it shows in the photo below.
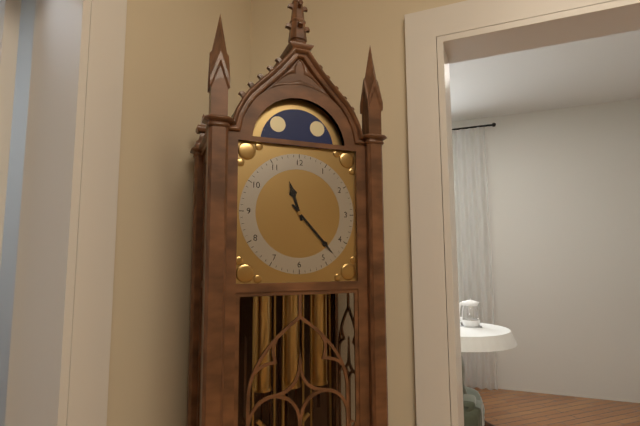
11:23
